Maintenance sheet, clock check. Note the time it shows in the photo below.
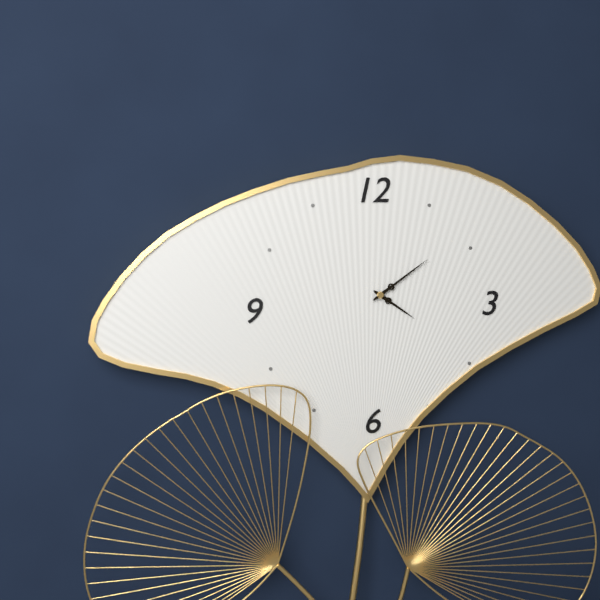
4:09
